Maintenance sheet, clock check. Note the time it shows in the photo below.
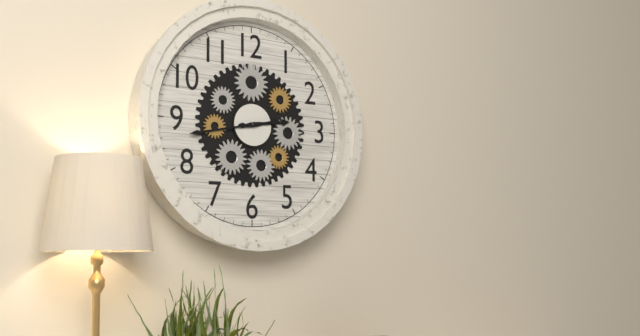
2:43
